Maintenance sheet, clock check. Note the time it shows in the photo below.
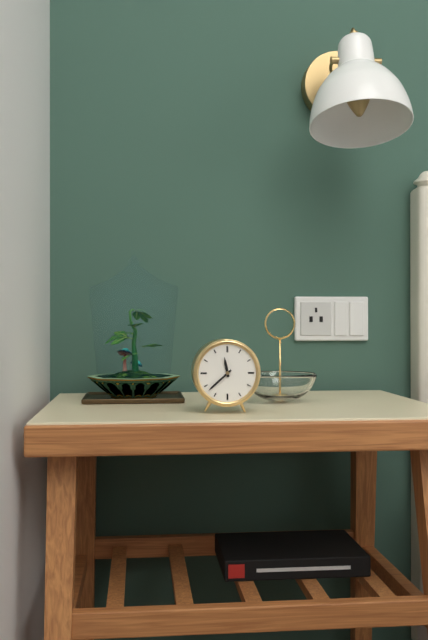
11:38
